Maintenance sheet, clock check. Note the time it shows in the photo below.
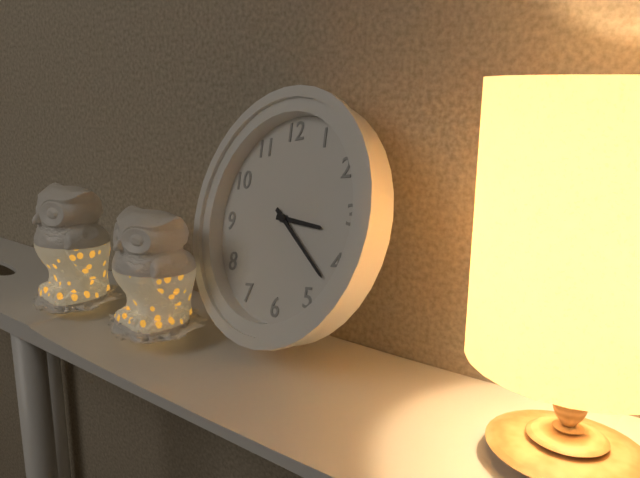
3:22
